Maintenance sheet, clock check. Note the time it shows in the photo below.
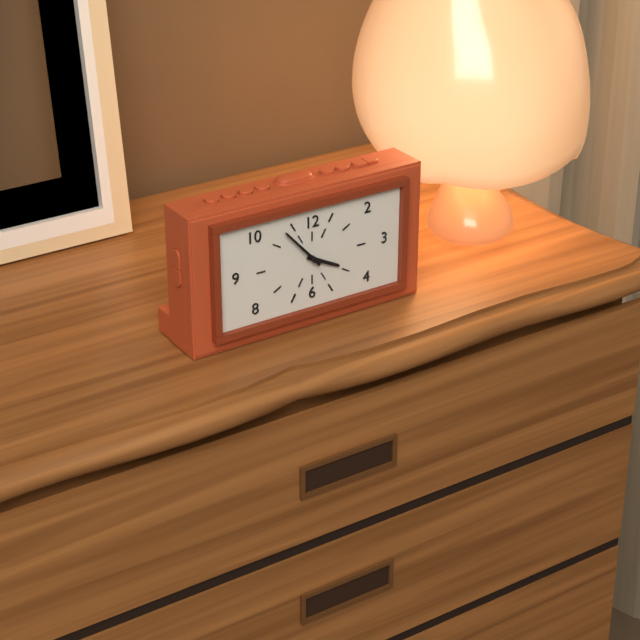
3:53
